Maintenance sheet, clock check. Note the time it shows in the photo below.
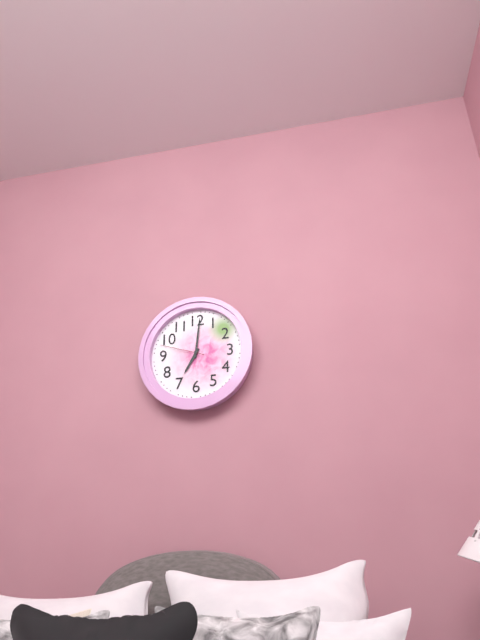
7:01
